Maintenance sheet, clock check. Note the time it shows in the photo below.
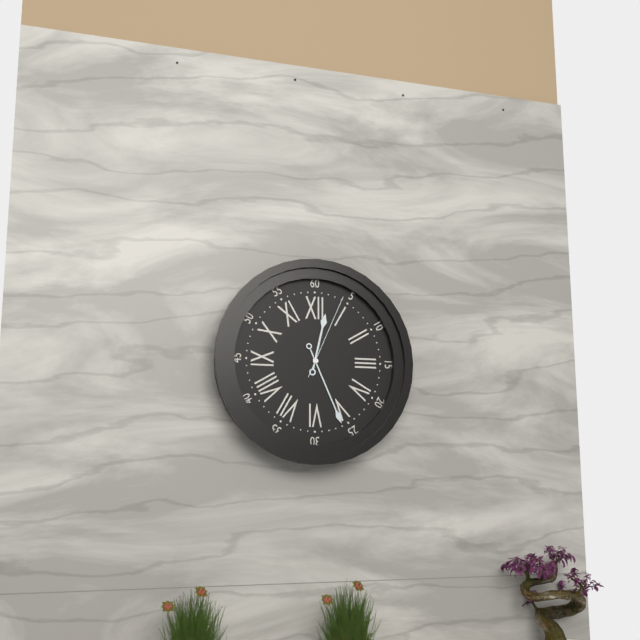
12:26:04
